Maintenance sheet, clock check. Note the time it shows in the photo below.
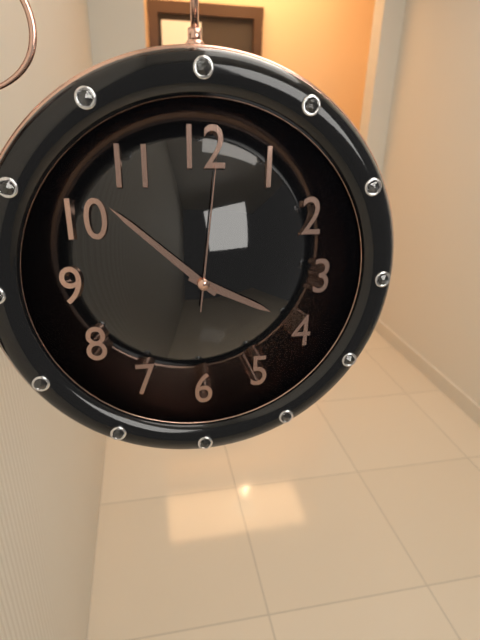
3:52:01
